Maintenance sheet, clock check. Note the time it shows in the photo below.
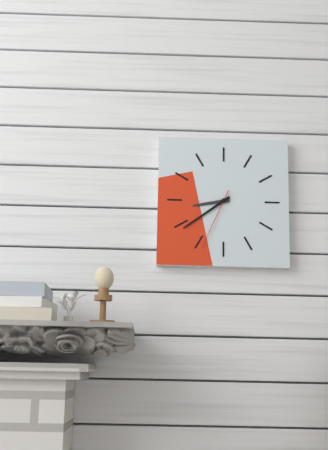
8:39:34
